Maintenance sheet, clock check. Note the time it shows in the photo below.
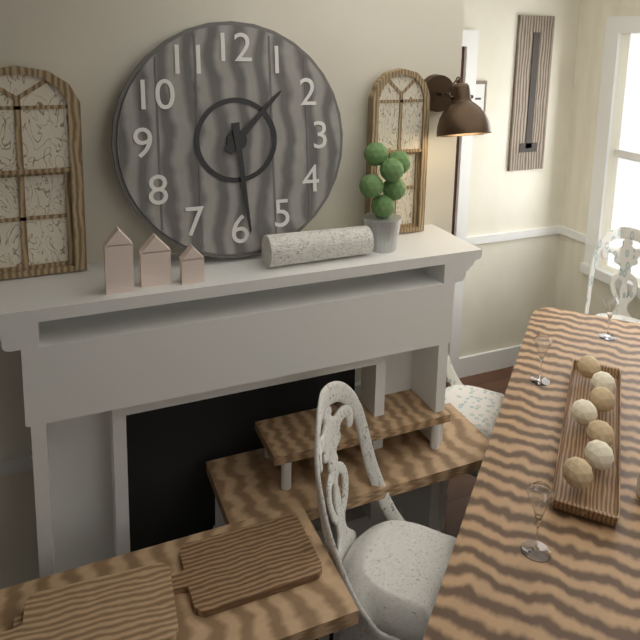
1:29
